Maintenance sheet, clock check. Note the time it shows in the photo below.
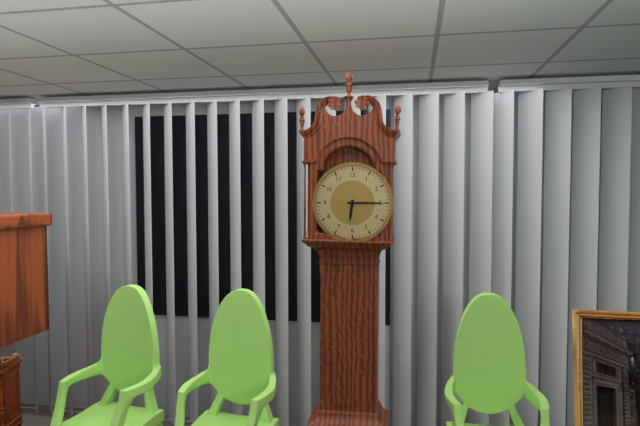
6:15
